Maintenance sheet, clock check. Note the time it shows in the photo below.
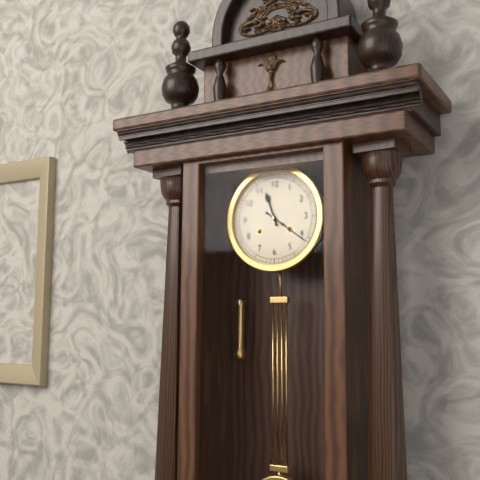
11:21
